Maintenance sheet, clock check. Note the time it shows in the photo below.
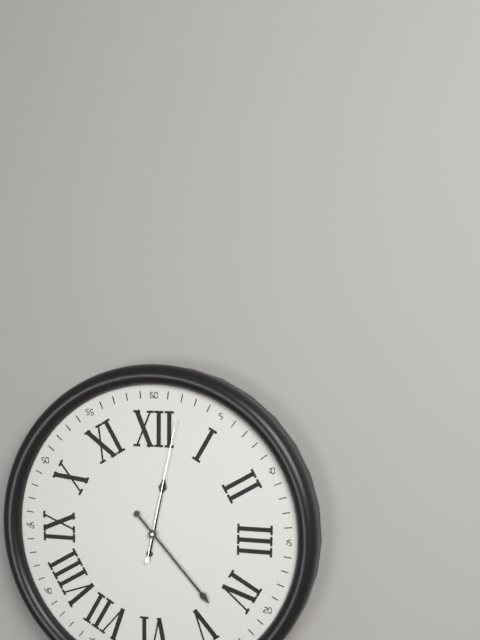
12:23:02
